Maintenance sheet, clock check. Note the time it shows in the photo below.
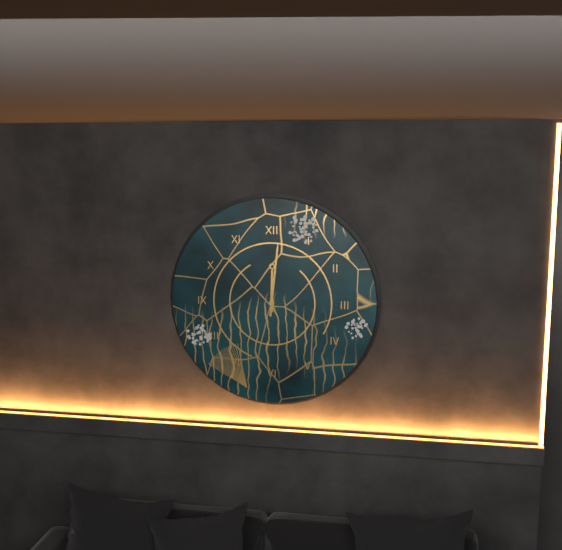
12:01
